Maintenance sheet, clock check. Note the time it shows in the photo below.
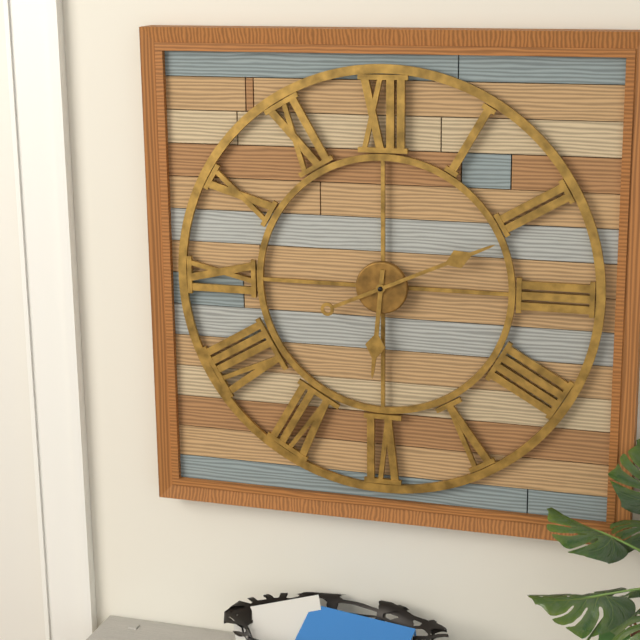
6:11
